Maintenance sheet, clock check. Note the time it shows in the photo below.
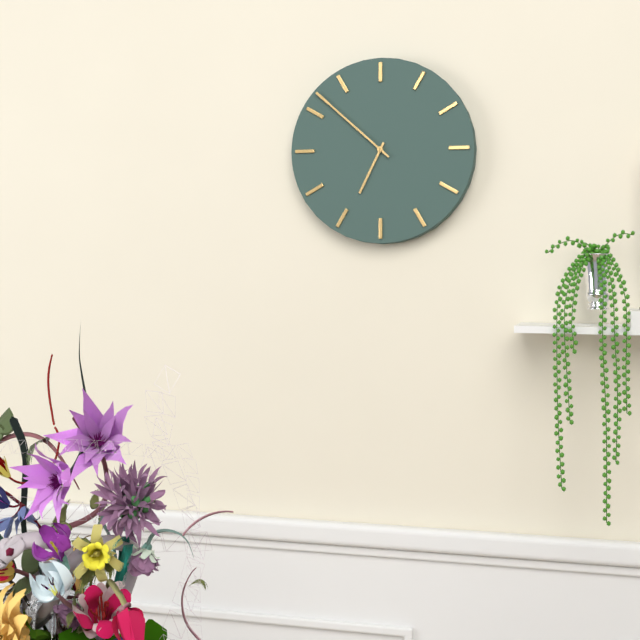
6:52
